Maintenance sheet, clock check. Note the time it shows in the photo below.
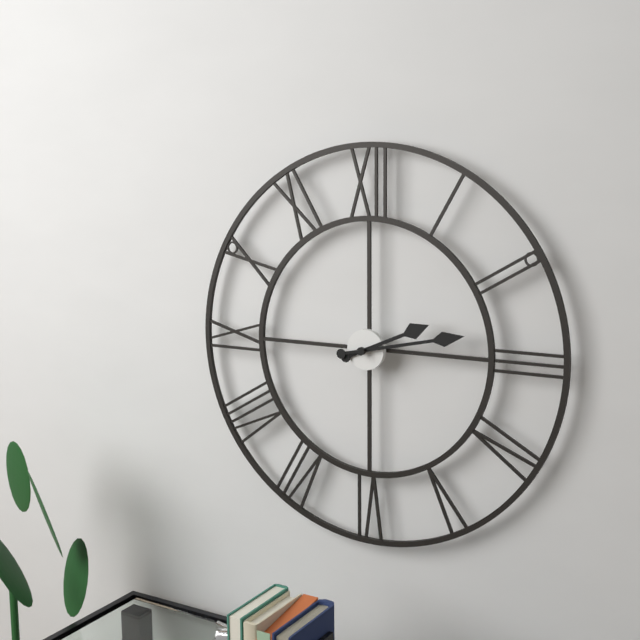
2:13
